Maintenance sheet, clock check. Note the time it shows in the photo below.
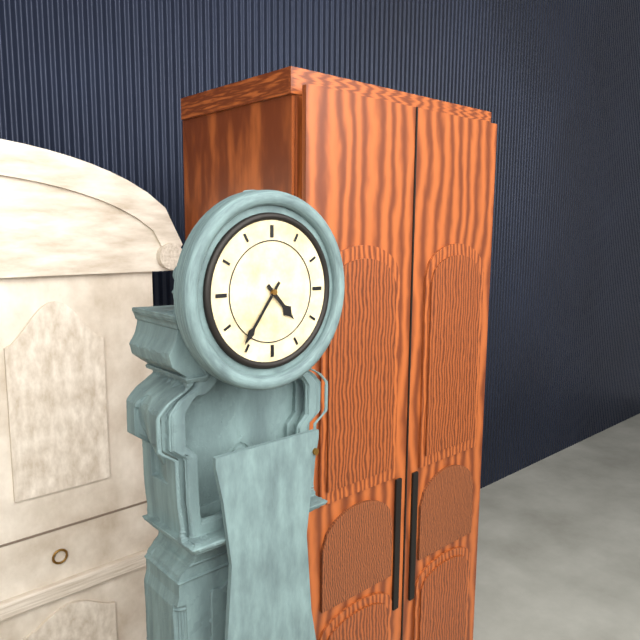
4:36
